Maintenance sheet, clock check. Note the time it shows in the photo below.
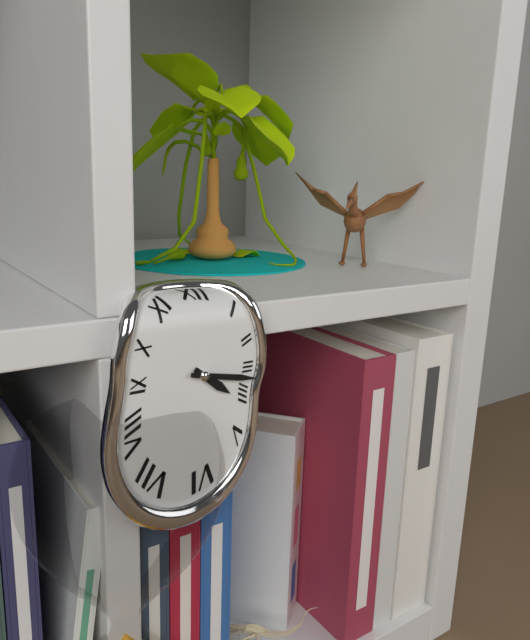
4:17
